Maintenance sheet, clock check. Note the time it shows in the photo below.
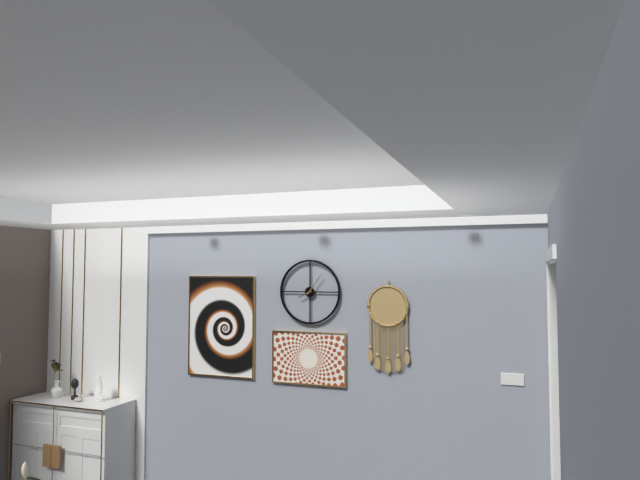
8:06
